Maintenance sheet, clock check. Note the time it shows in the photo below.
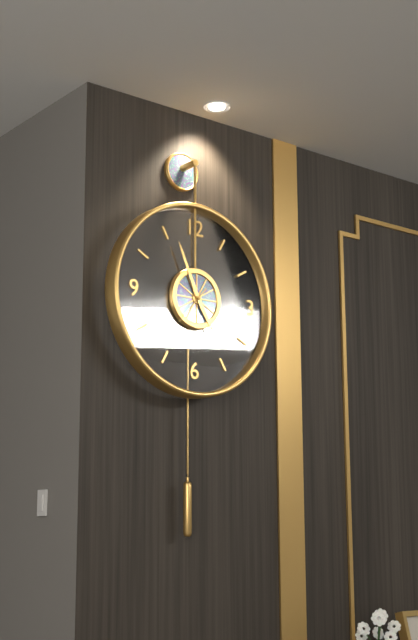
4:56:37
